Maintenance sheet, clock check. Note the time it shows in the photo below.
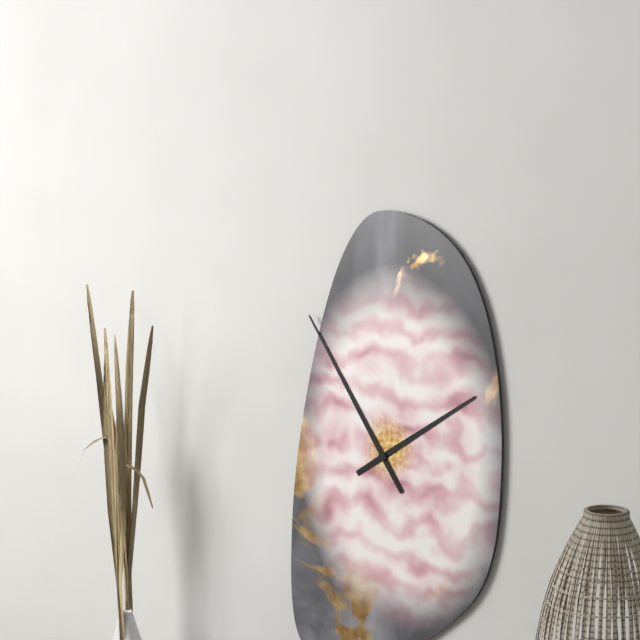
1:54
